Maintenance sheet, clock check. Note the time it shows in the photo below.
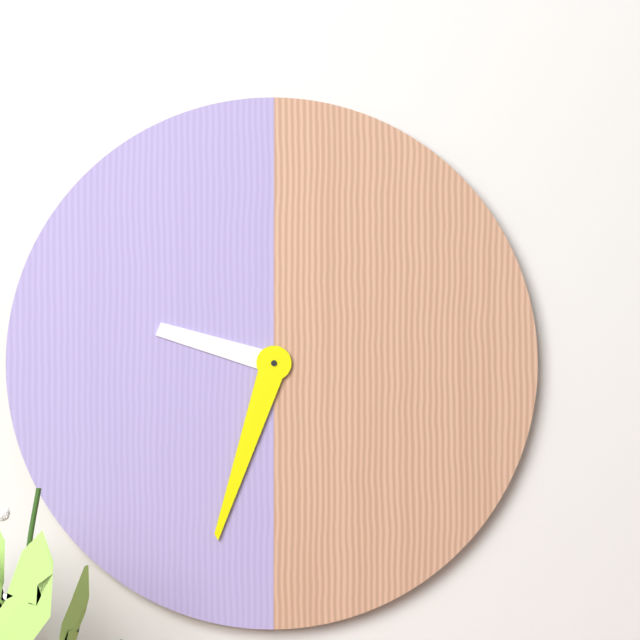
9:33
